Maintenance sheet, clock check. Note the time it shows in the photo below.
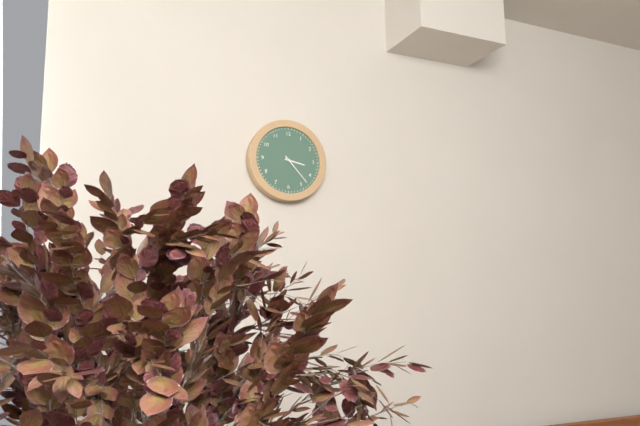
3:23
